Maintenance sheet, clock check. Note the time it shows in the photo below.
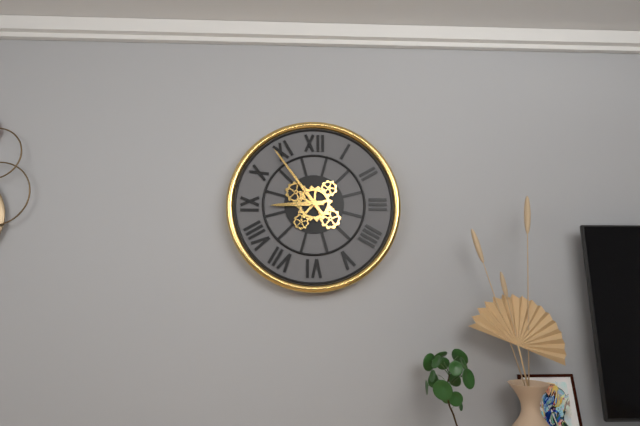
8:54
